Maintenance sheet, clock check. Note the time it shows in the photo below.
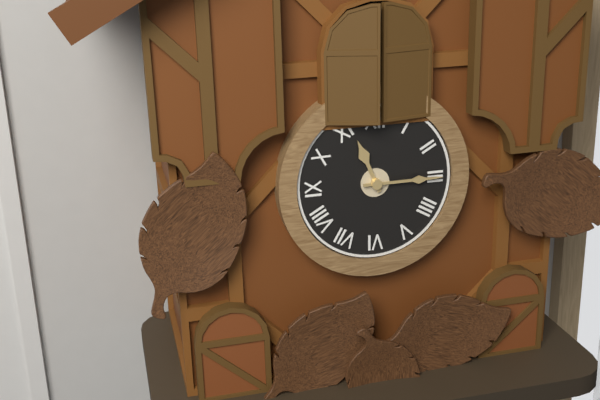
11:15
